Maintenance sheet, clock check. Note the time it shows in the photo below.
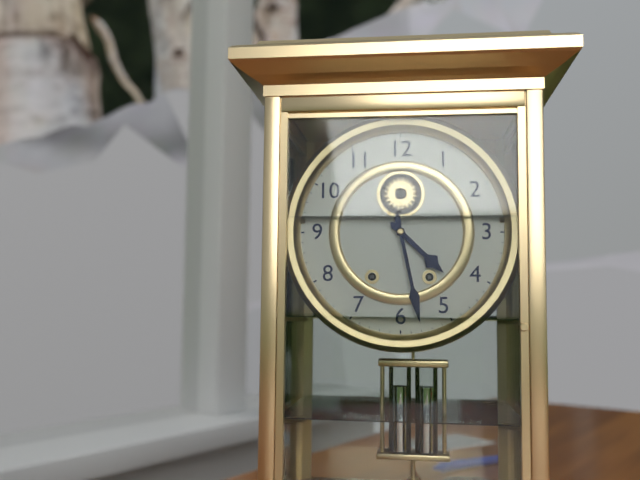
4:28
